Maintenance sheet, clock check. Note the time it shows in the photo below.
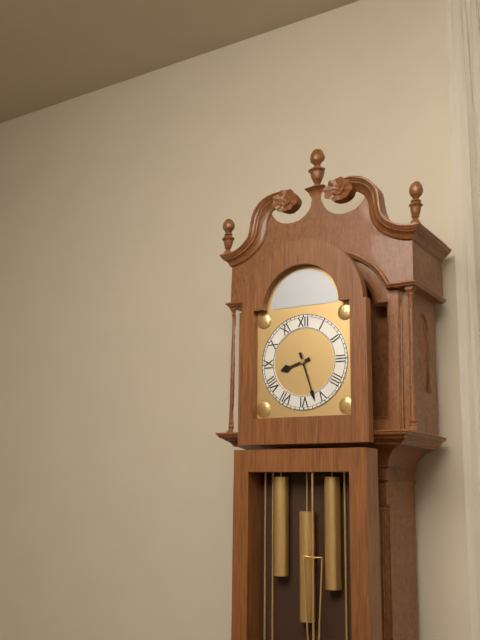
8:27
